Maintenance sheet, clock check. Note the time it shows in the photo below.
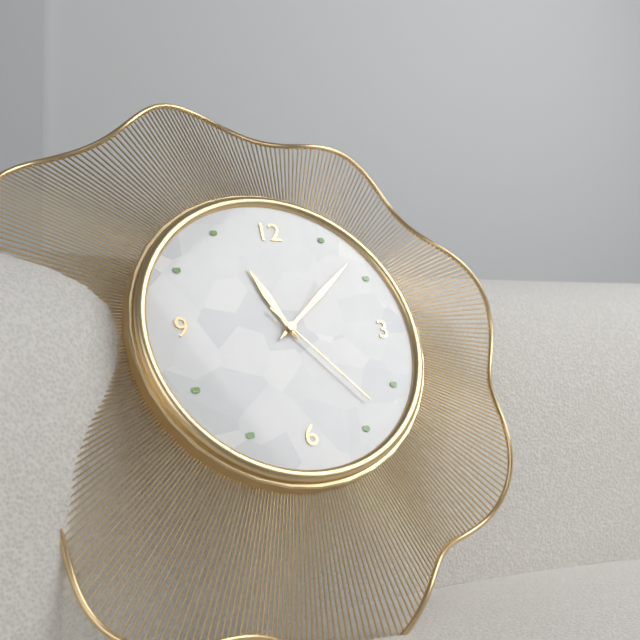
11:08:23
